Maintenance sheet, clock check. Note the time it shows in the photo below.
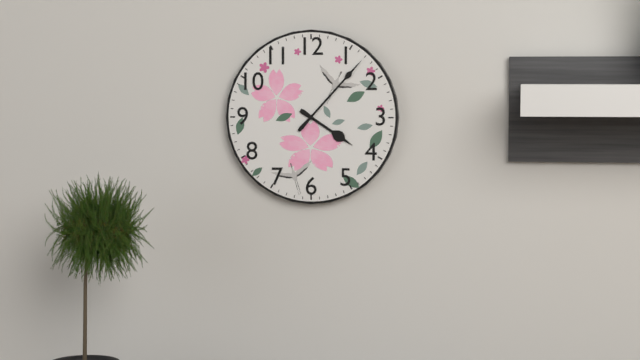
4:07
